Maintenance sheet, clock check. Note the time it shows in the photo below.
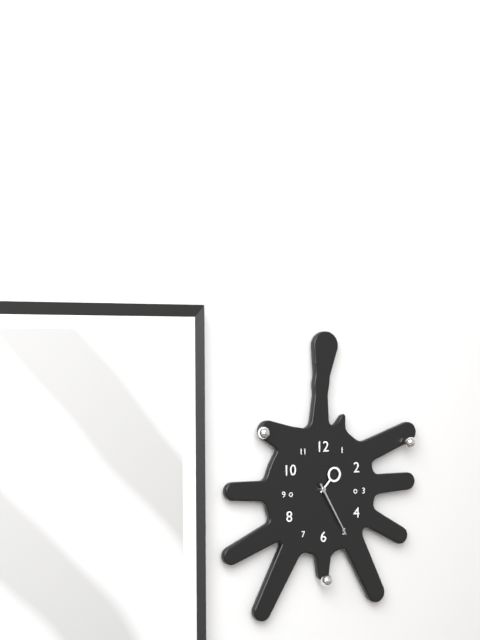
1:25
